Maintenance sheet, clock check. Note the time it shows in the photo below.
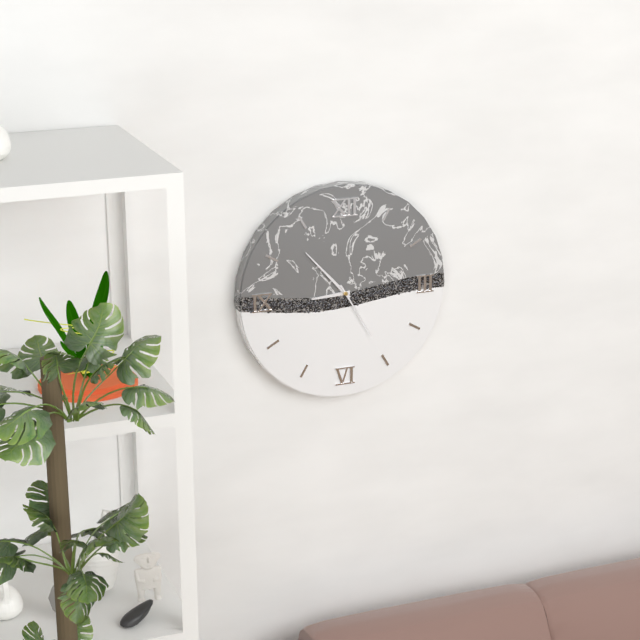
8:53:25
